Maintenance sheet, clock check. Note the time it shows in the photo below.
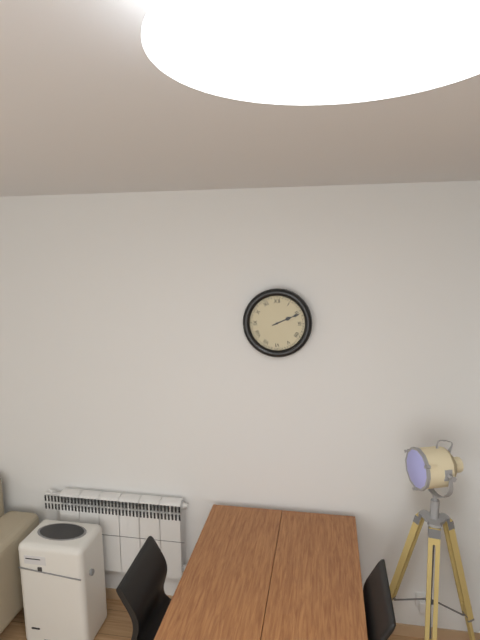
2:11
